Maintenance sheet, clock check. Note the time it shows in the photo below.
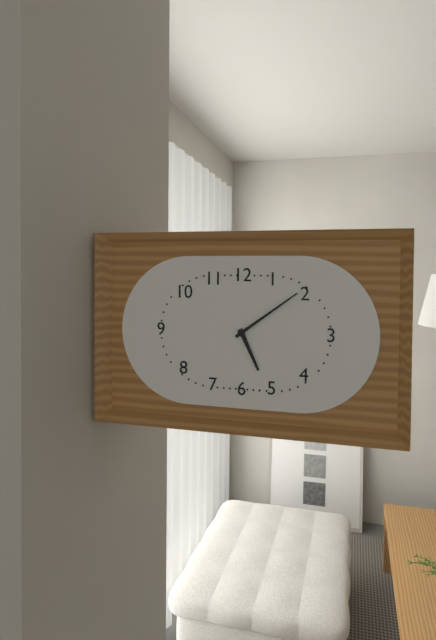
5:09
